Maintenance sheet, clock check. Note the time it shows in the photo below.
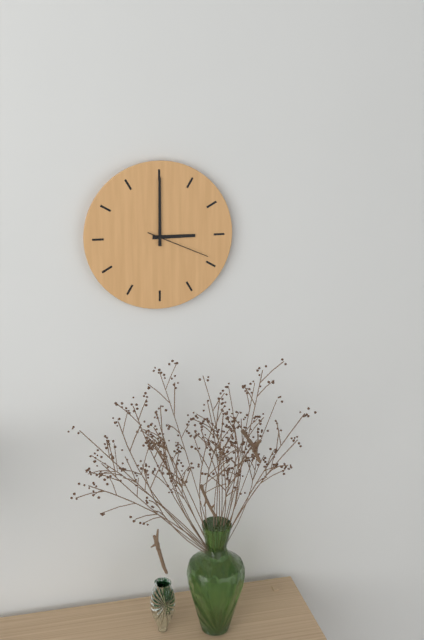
3:00:19
